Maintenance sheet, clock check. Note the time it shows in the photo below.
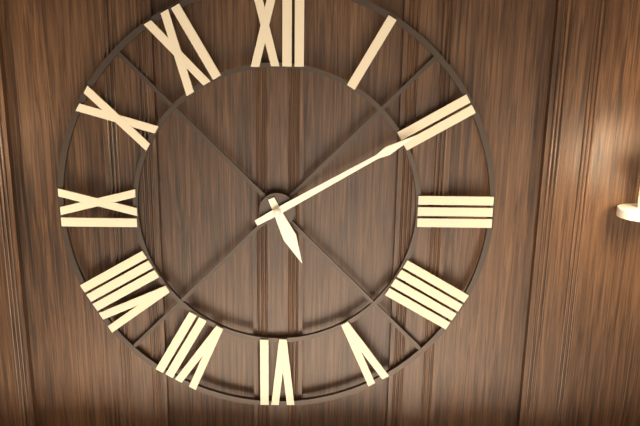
5:10
